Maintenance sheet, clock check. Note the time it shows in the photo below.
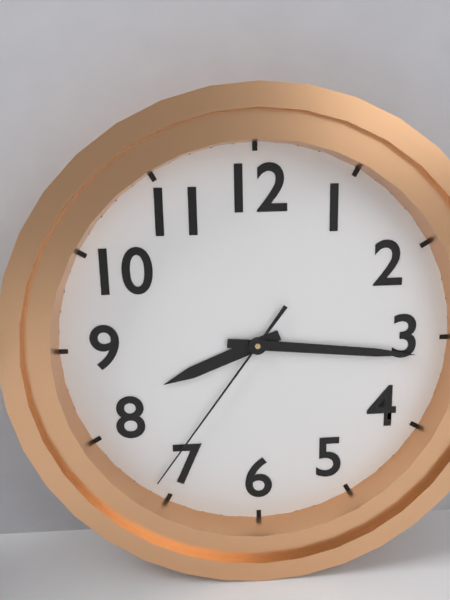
8:16:36
